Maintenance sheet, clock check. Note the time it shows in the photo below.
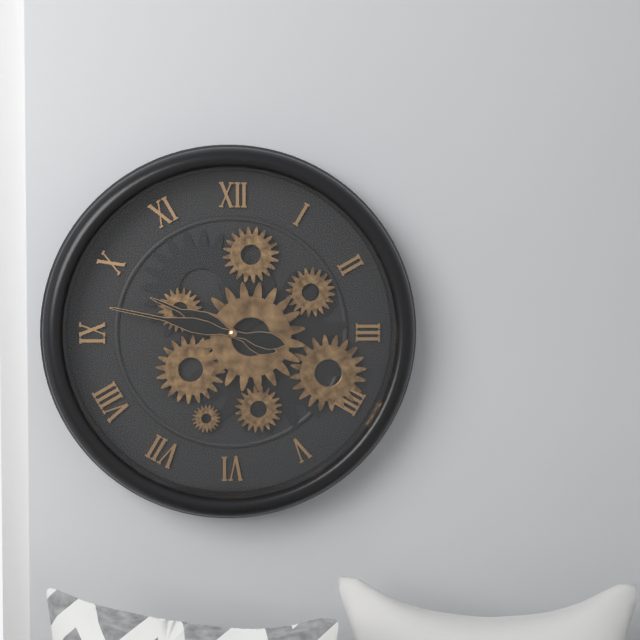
9:47
